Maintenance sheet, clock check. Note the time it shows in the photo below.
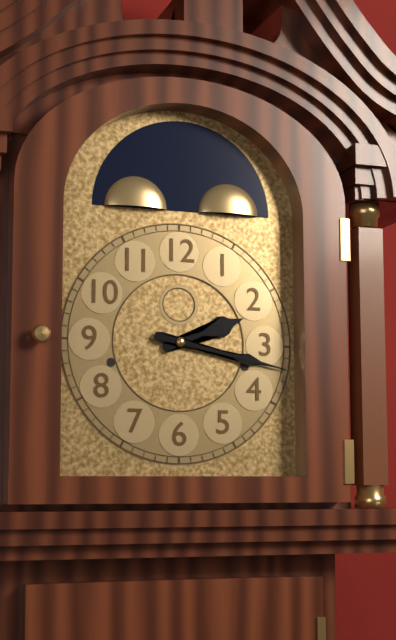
2:17
